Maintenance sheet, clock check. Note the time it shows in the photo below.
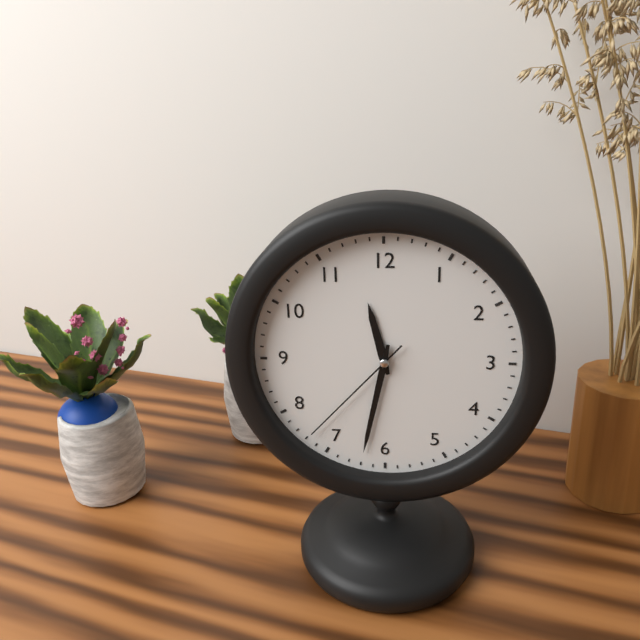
11:32:37
